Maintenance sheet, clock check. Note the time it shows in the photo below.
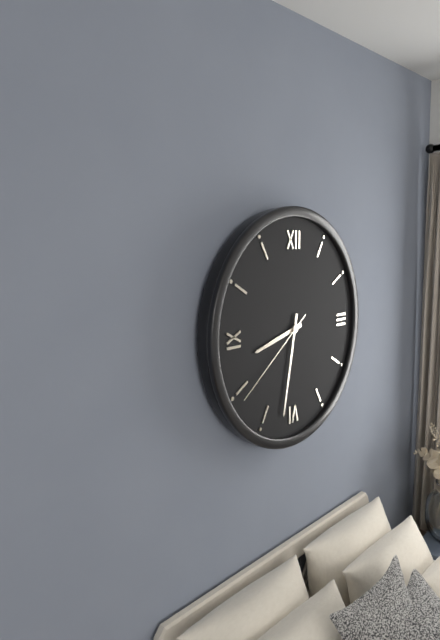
8:32:39
